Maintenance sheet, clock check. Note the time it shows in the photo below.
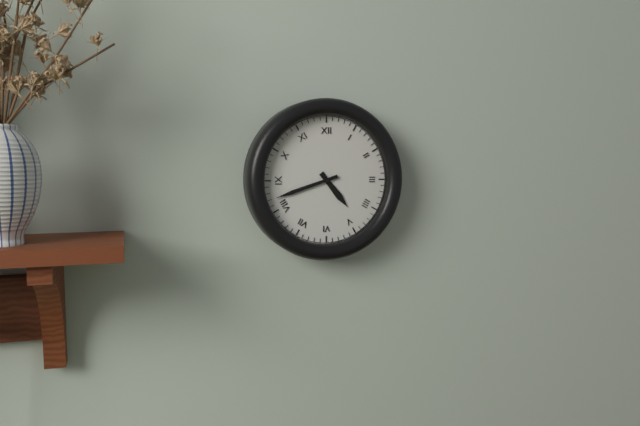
4:42
